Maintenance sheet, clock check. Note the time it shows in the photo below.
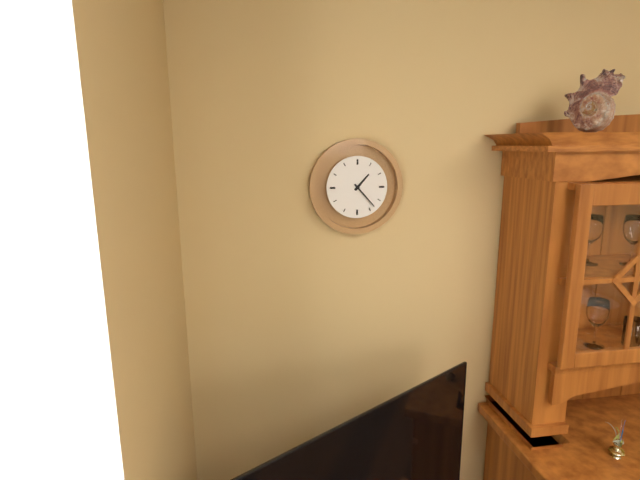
1:23
